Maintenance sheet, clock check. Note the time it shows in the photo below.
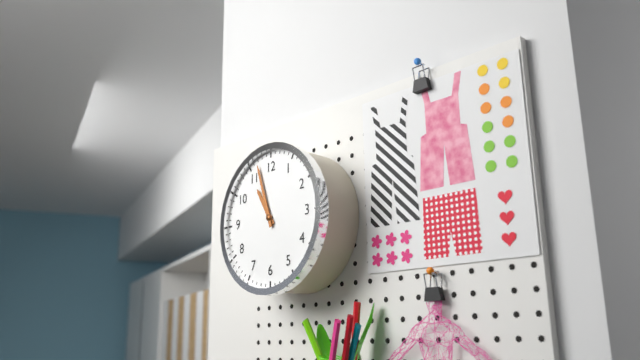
10:57
